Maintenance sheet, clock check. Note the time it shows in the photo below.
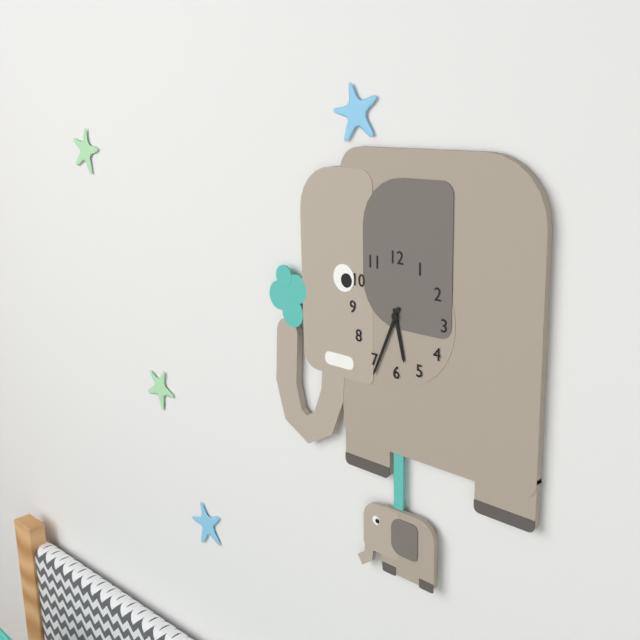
5:34
